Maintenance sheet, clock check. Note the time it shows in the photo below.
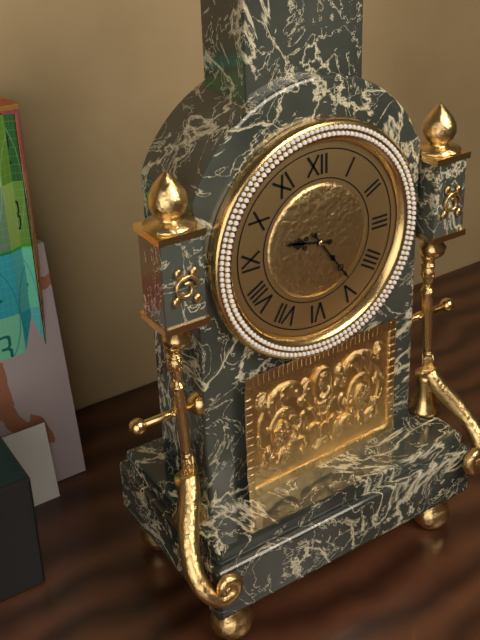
9:24
